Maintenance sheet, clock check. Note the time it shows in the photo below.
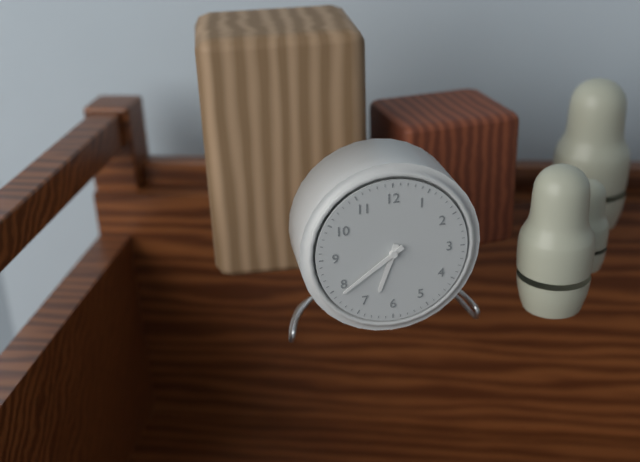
6:39
